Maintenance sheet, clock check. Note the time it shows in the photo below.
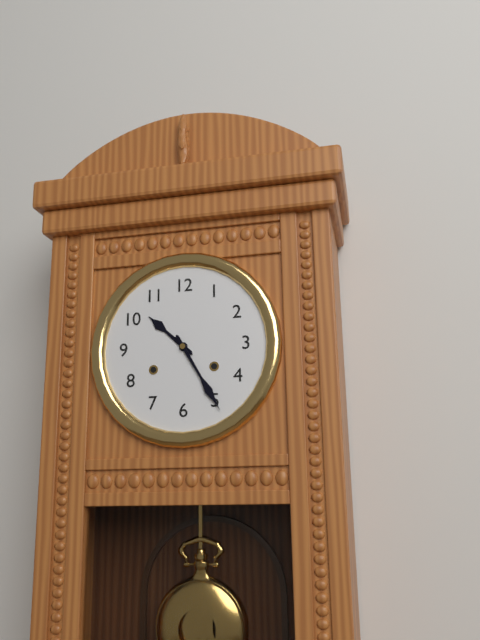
10:25
